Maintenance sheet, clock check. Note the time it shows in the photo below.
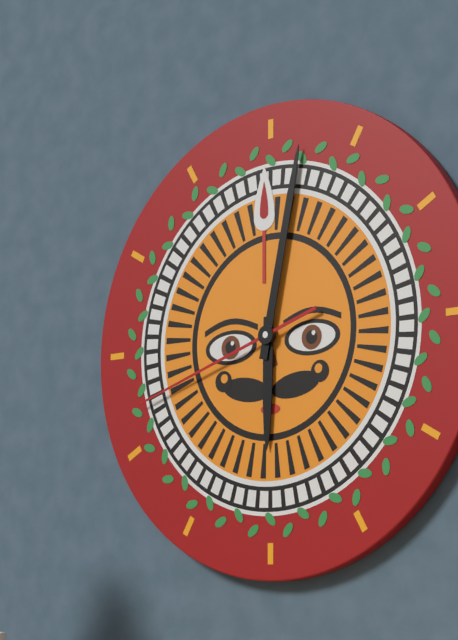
6:02:42
